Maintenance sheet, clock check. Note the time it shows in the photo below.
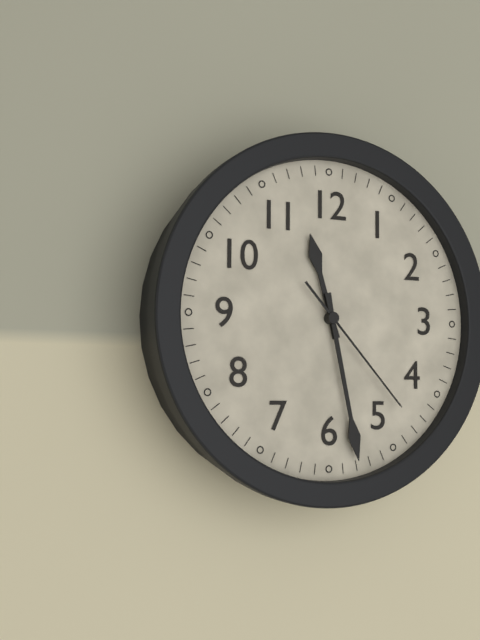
11:28:23
